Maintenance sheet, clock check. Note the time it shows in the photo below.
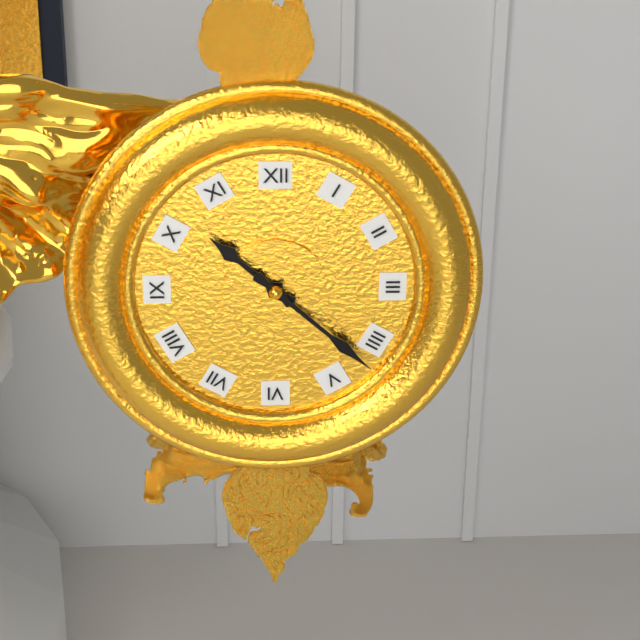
10:22
